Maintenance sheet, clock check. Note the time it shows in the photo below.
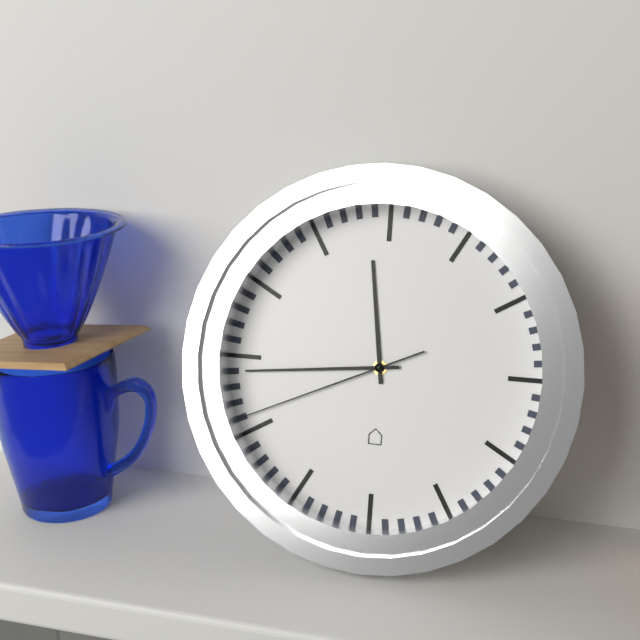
11:44:41
